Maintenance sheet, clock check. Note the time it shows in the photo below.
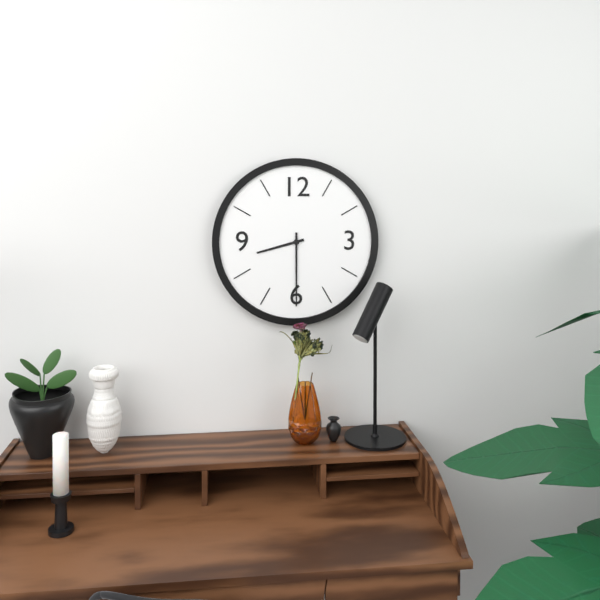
8:30
